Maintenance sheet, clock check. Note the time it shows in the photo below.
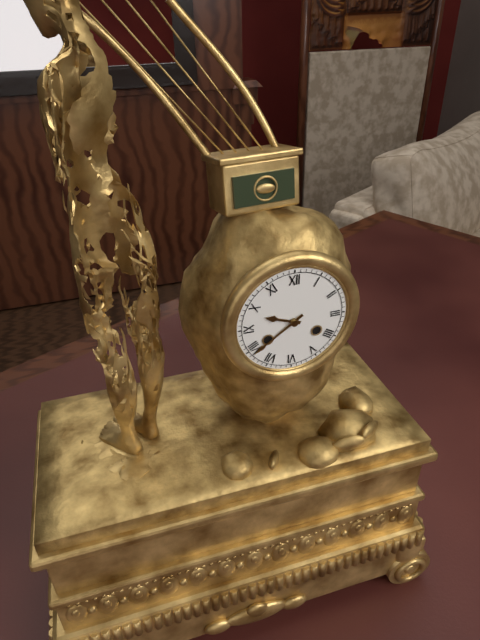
9:39
